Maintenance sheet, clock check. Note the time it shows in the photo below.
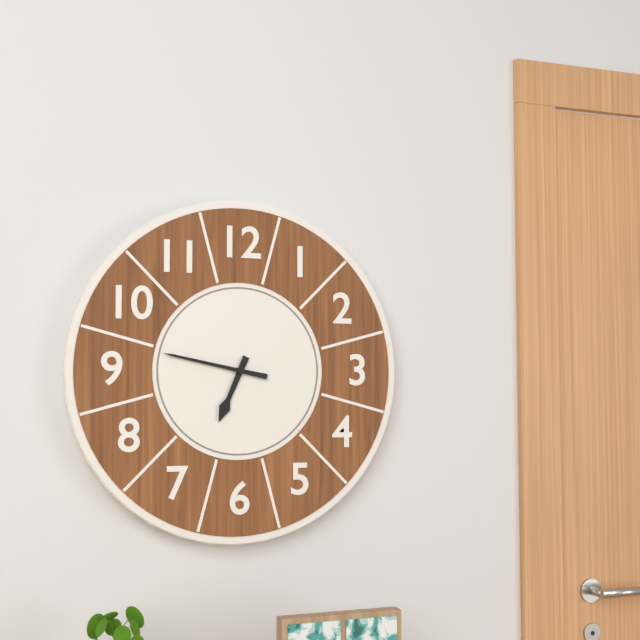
6:47
